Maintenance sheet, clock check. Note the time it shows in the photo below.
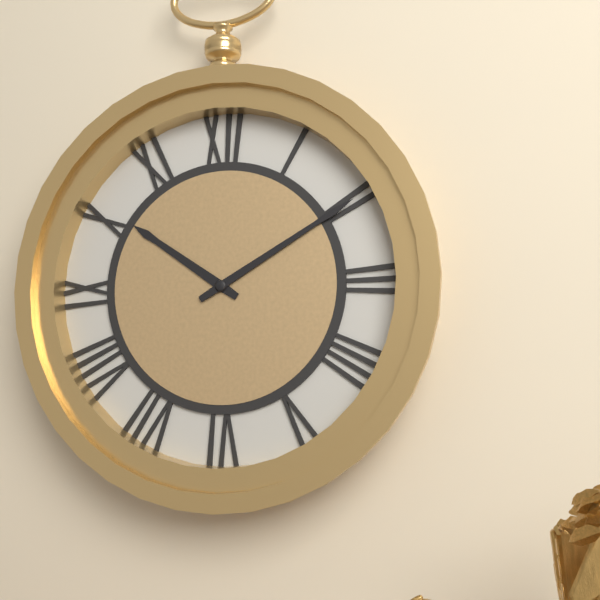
10:10
